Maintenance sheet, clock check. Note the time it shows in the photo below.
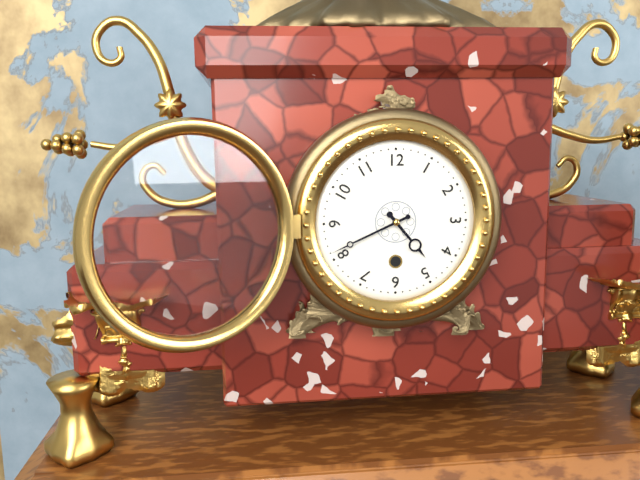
4:41
